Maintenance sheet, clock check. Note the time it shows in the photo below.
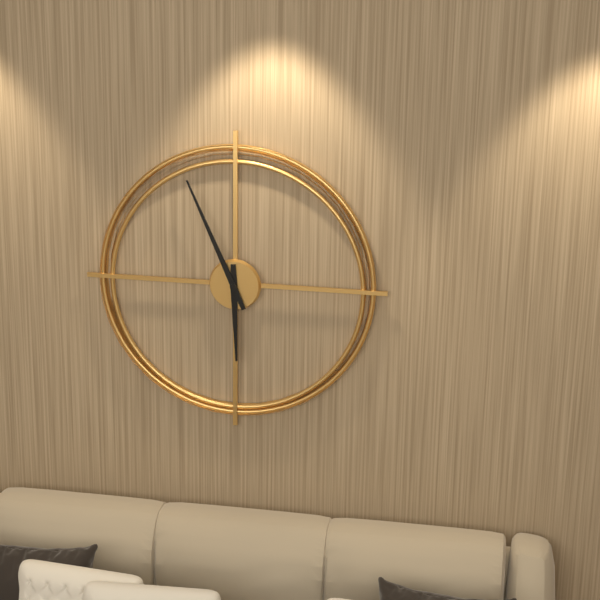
5:56
